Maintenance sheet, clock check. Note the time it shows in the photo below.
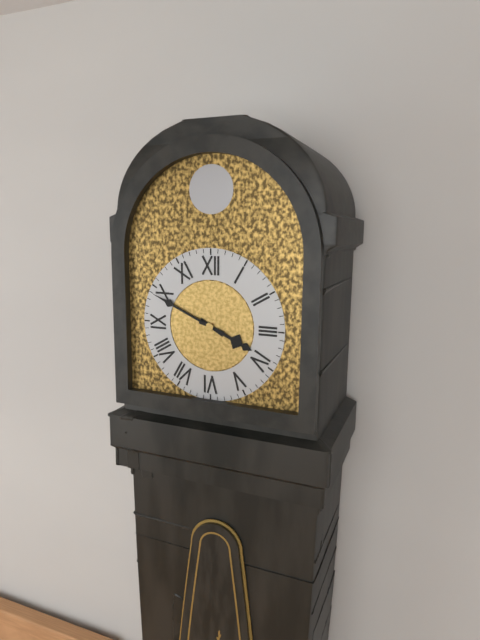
3:49
